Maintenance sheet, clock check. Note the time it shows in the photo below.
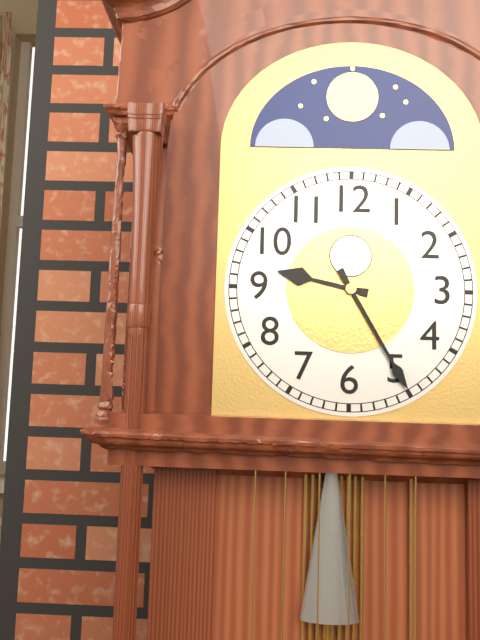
9:25
